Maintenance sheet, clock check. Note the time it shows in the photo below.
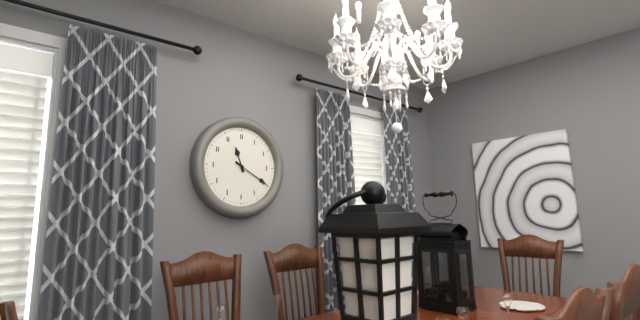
11:20
